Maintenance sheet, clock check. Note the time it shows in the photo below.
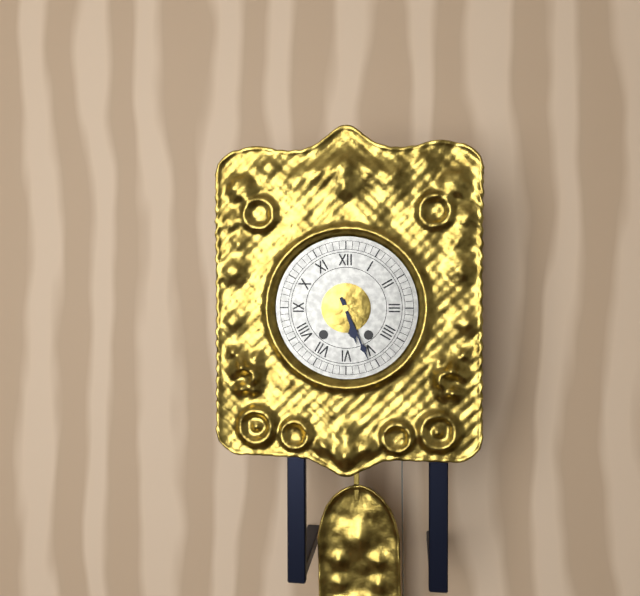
5:26
